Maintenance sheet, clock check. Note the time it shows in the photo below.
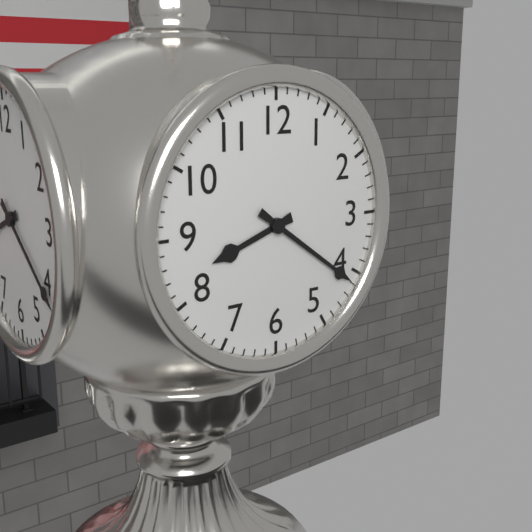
8:21
